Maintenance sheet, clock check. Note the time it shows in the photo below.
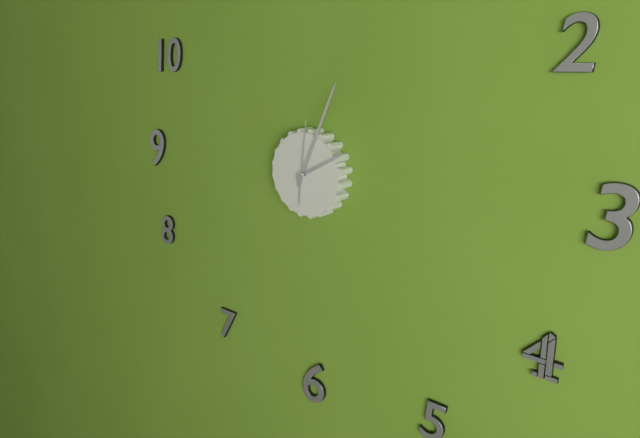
2:04:01
